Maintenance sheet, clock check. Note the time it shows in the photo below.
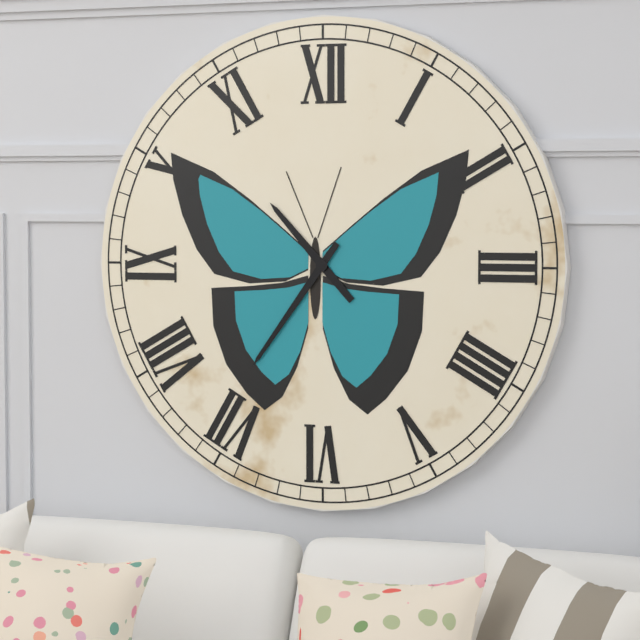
10:36
